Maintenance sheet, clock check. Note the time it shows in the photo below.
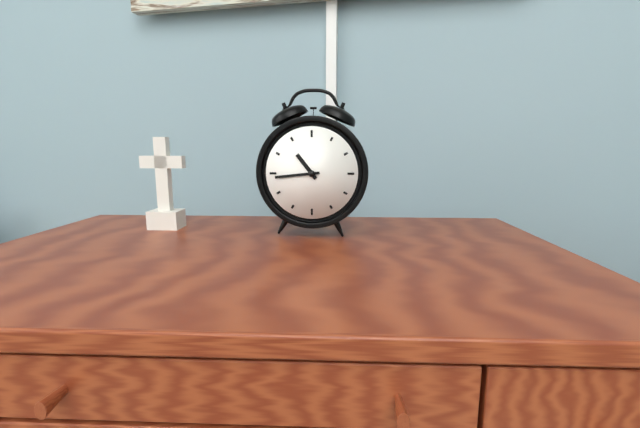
10:44
